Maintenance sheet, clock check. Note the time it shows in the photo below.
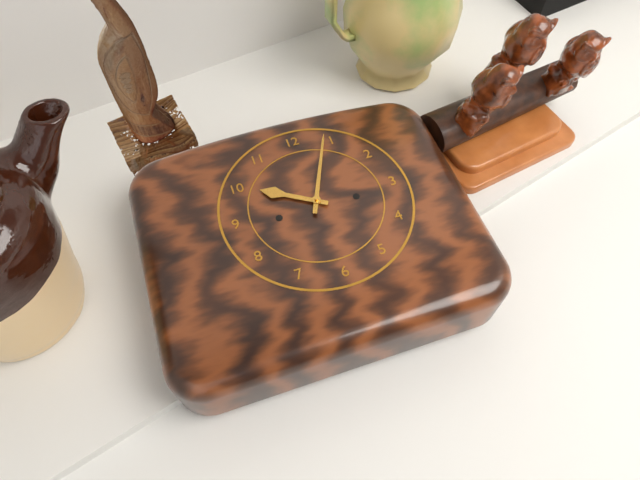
10:04
